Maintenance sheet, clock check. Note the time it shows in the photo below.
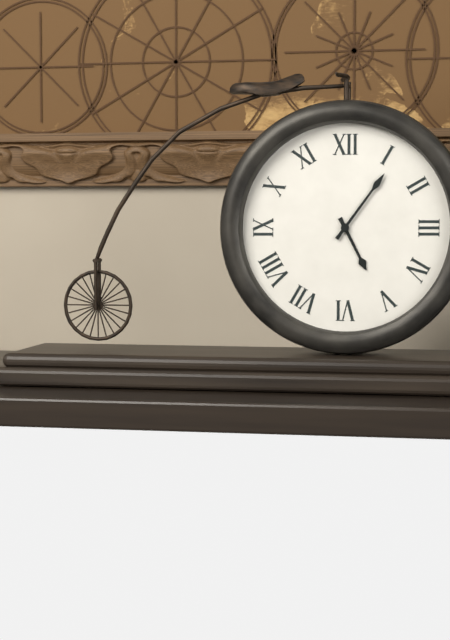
5:06
